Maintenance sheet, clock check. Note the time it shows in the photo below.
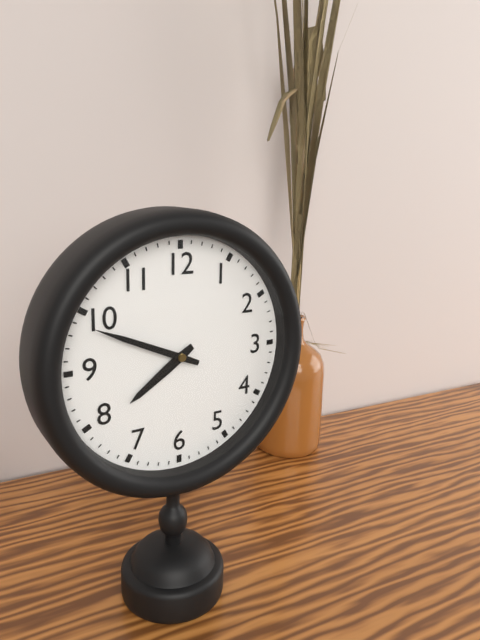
7:49
